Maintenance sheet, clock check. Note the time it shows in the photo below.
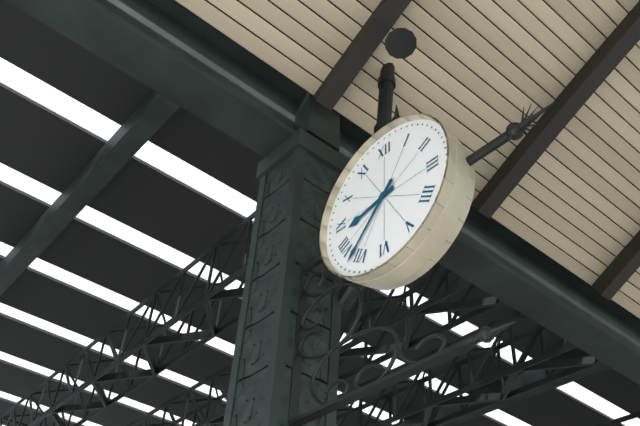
8:37
